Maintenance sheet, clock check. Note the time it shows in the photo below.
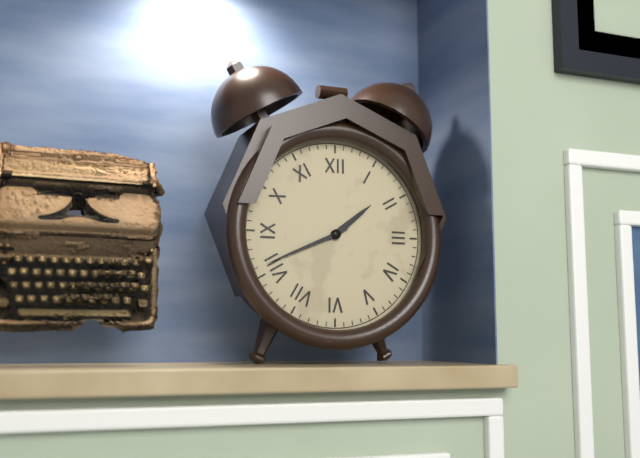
1:41
